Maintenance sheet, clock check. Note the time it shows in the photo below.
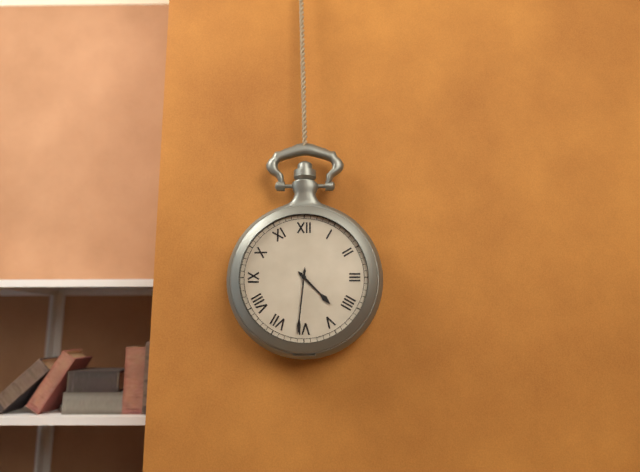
4:31
